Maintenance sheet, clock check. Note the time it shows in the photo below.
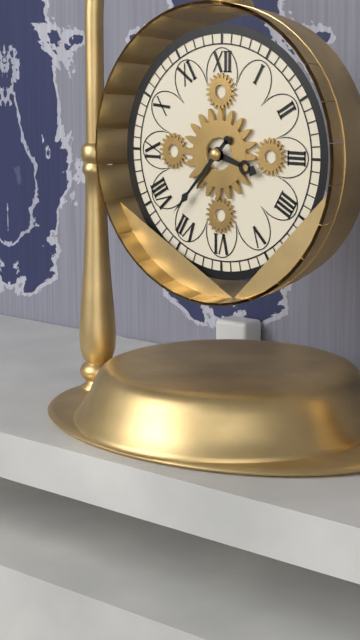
3:37
